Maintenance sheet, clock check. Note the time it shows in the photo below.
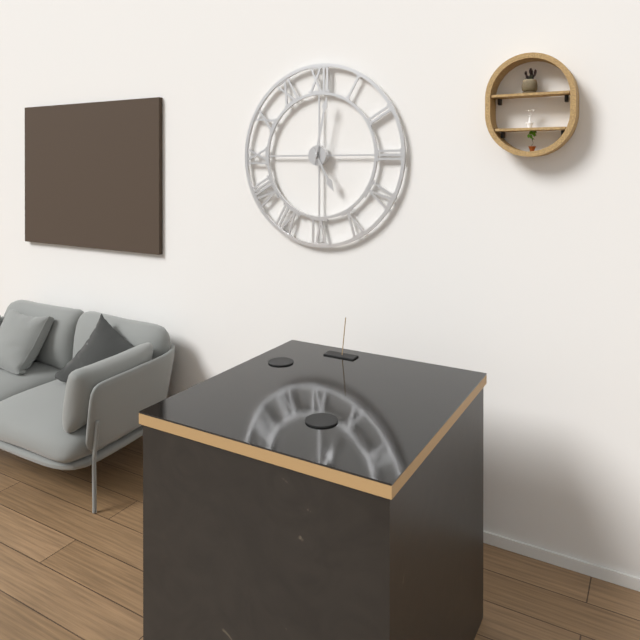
5:02
